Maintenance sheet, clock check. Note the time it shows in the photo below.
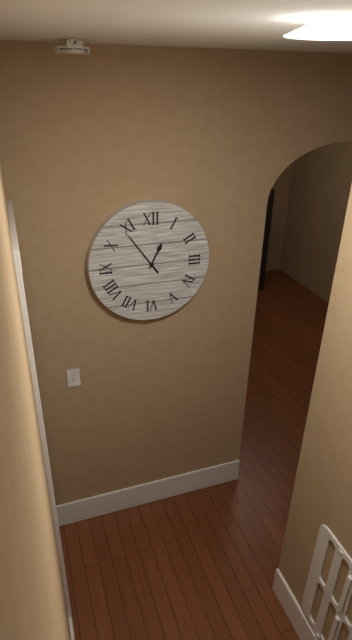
12:54
